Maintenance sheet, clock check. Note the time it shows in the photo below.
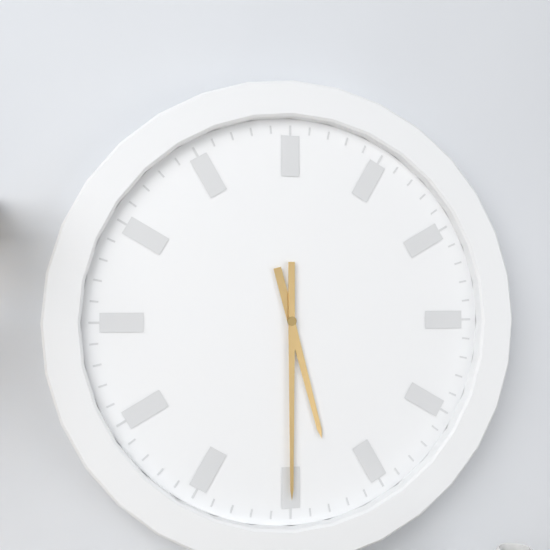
5:30
